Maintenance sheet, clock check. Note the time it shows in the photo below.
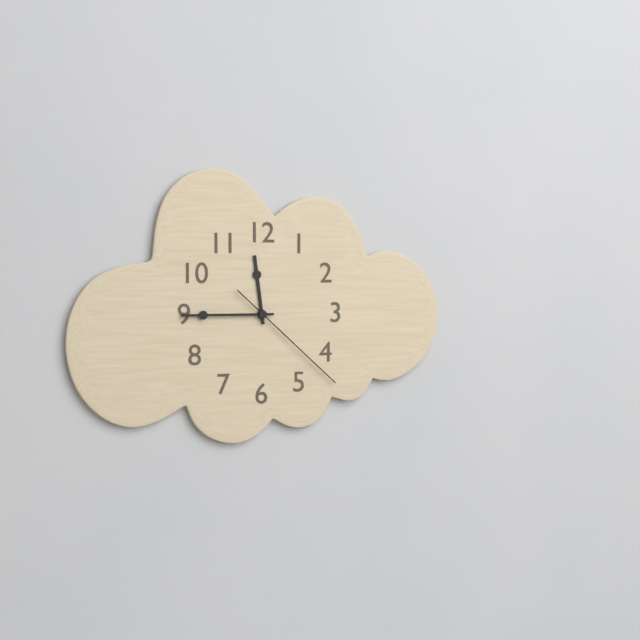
11:45:22
